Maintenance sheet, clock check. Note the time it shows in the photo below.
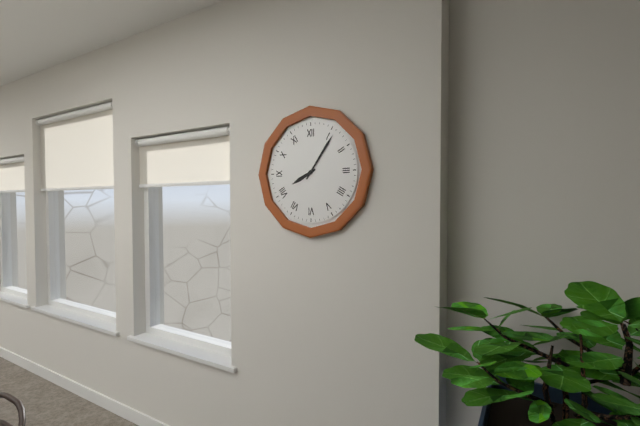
8:06
